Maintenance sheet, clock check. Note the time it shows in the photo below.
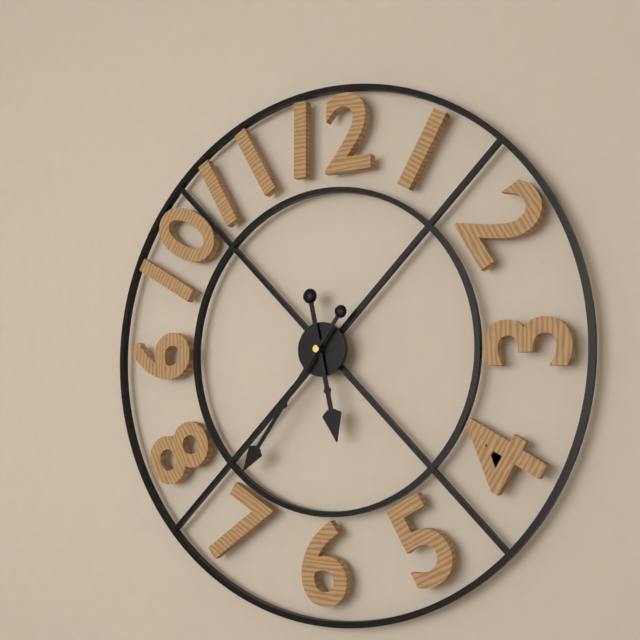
5:36
